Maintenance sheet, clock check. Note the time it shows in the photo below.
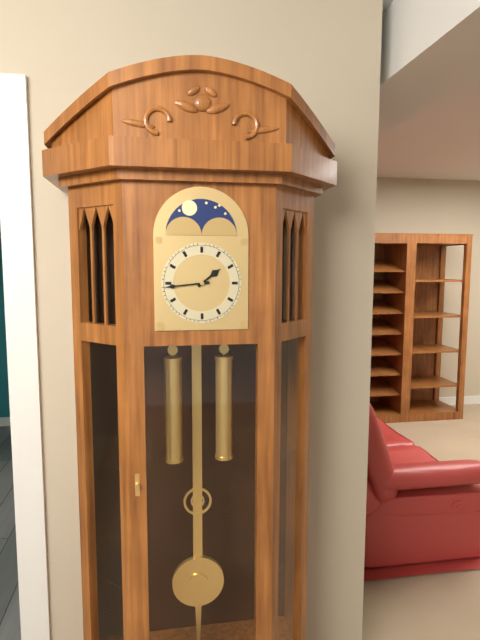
1:44
